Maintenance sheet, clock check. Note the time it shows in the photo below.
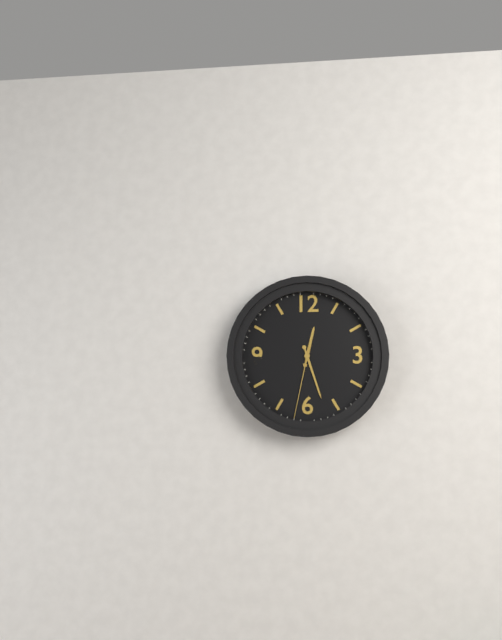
12:27:32
